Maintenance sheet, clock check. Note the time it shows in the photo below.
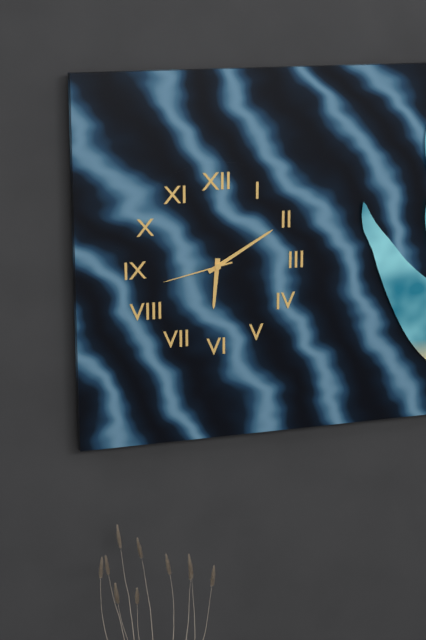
6:10:43
